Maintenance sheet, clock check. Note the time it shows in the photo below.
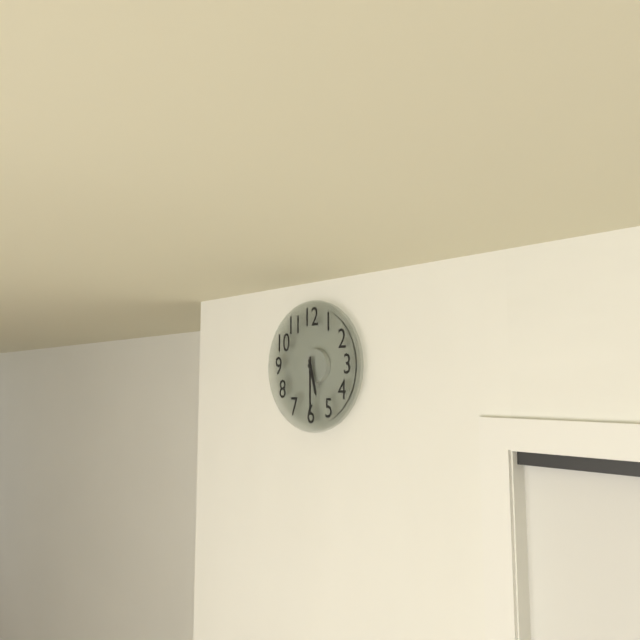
5:30
